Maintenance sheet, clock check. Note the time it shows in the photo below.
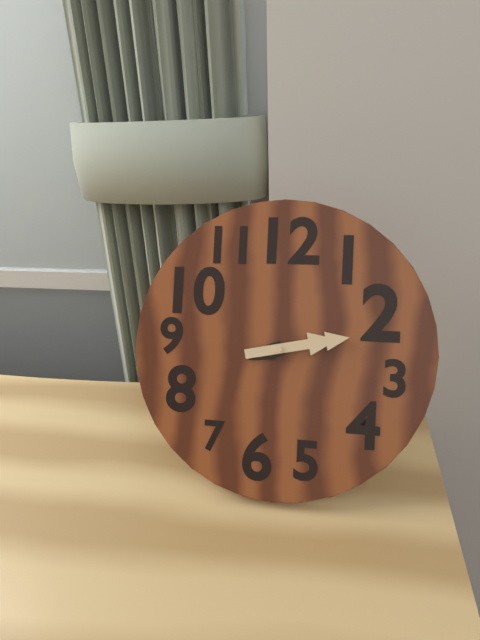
8:13
